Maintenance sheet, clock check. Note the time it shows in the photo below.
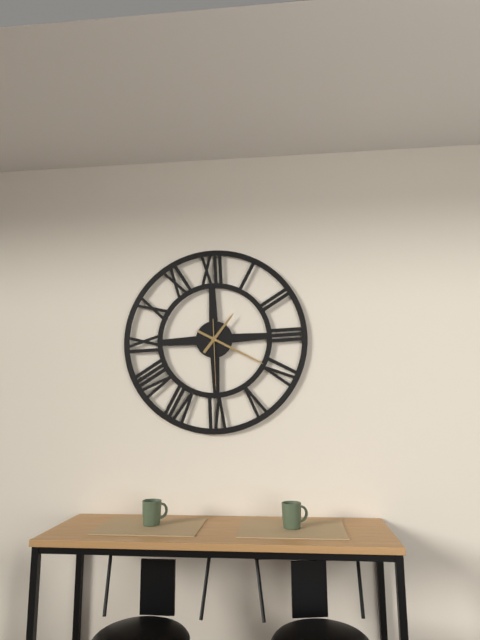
1:20:30
